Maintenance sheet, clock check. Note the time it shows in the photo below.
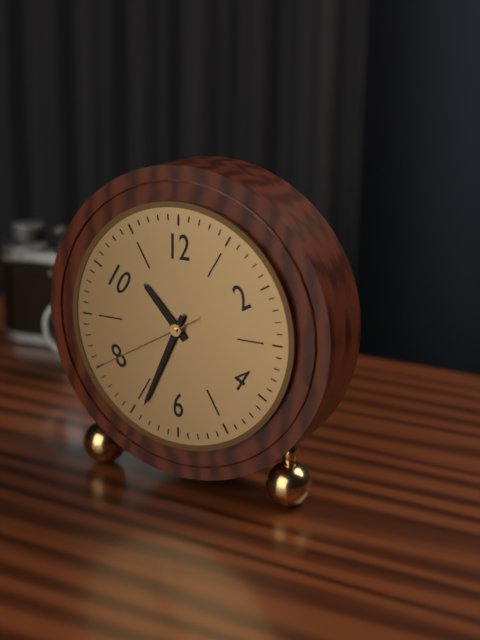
10:34:40
